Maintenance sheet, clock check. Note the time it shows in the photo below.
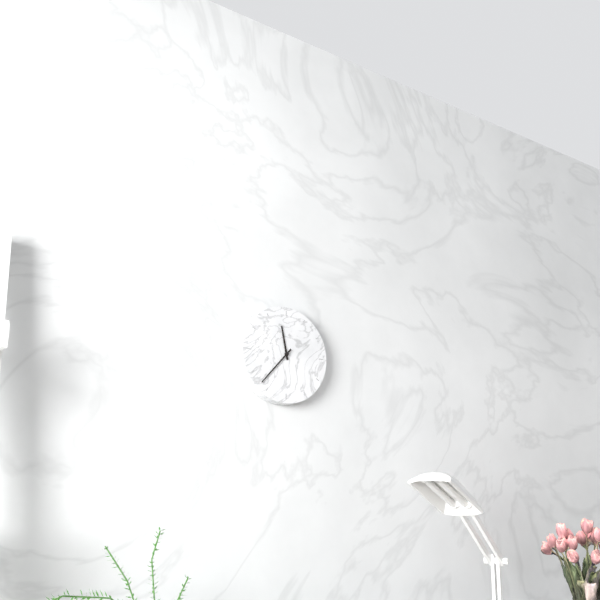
11:37
